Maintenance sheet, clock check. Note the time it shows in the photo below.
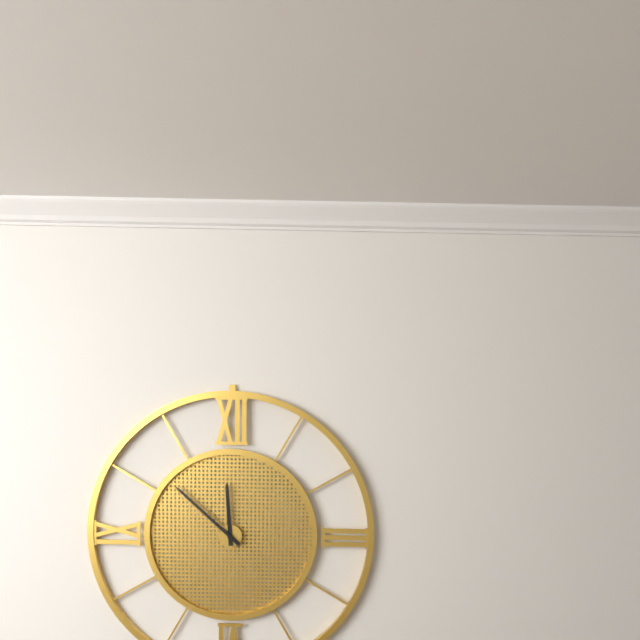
11:52
